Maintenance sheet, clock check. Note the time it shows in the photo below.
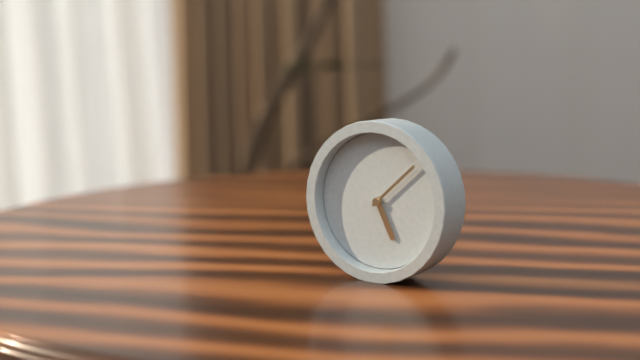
5:08
